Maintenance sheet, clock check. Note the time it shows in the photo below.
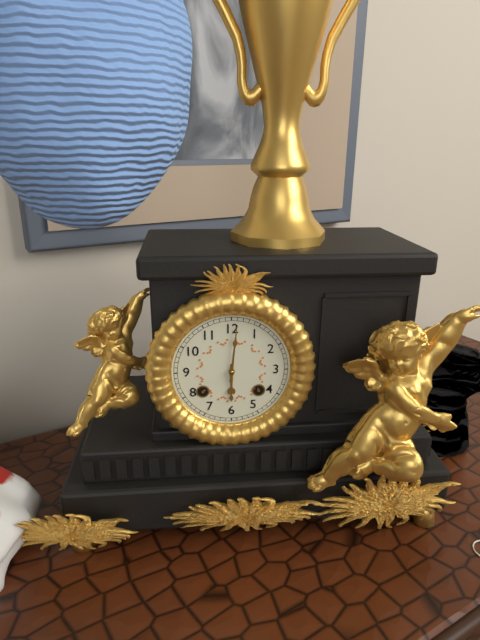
6:01
